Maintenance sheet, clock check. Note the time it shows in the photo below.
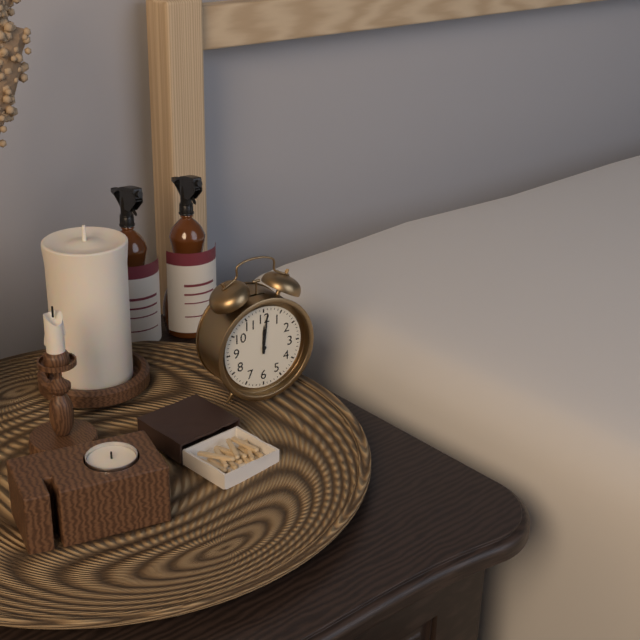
12:01
